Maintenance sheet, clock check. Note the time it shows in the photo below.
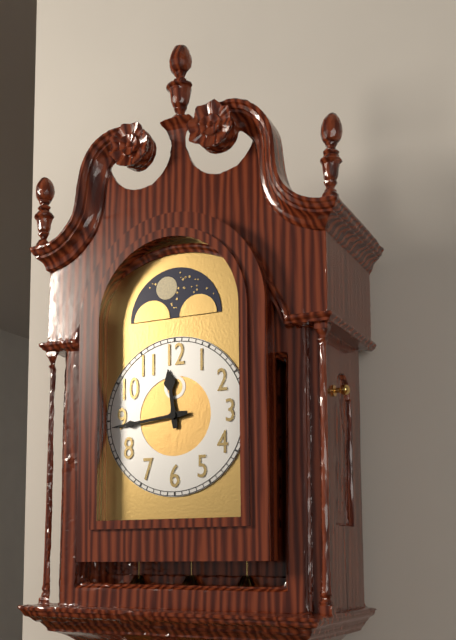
11:44
